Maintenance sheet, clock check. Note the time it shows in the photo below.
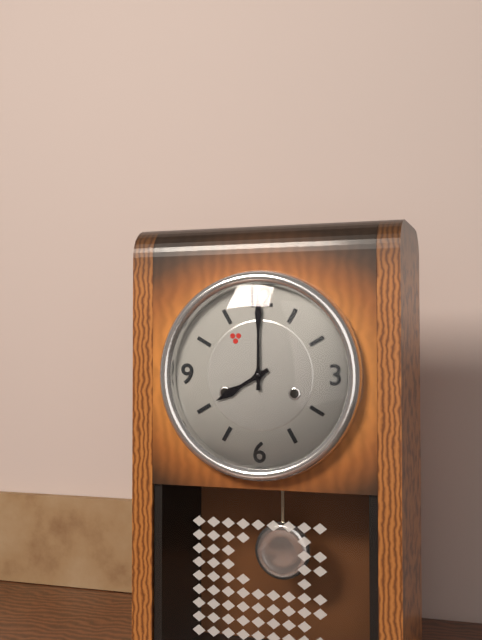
8:00
